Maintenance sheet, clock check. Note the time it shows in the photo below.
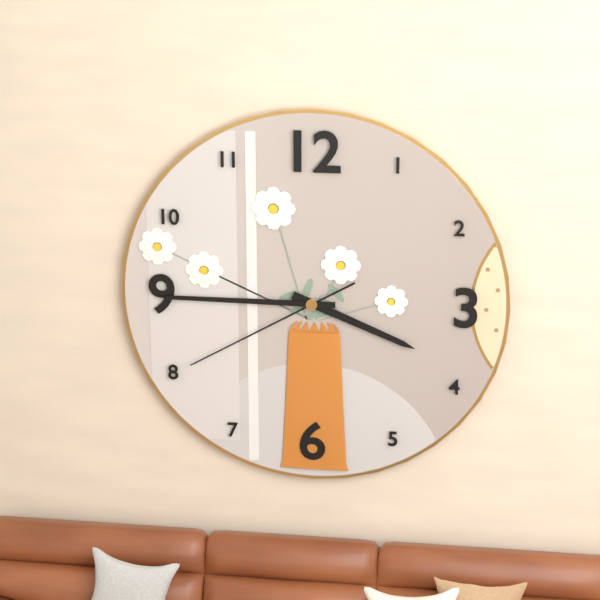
3:45:40
